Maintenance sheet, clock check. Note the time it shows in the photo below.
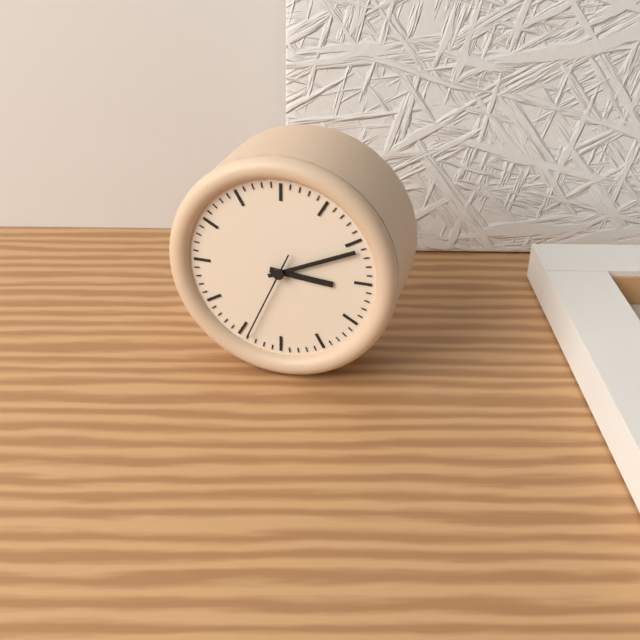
3:11:34
